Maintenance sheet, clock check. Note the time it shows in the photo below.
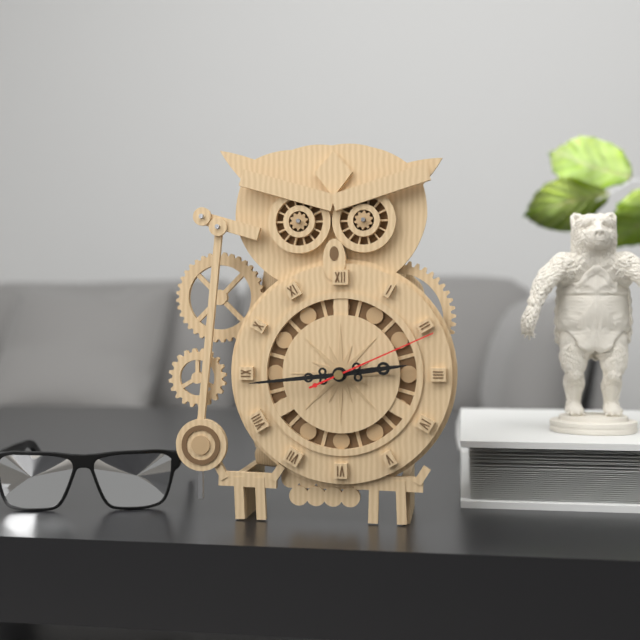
2:44:11
